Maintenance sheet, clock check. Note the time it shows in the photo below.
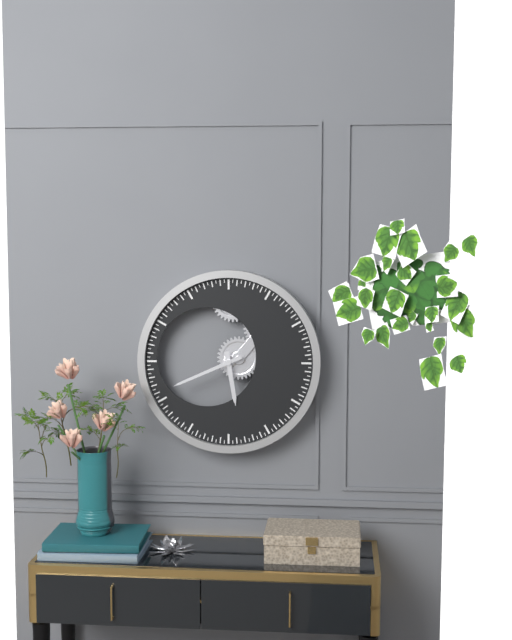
5:41
